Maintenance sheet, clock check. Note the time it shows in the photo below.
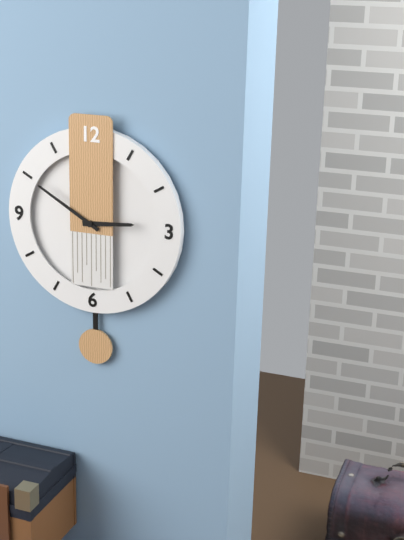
2:50
